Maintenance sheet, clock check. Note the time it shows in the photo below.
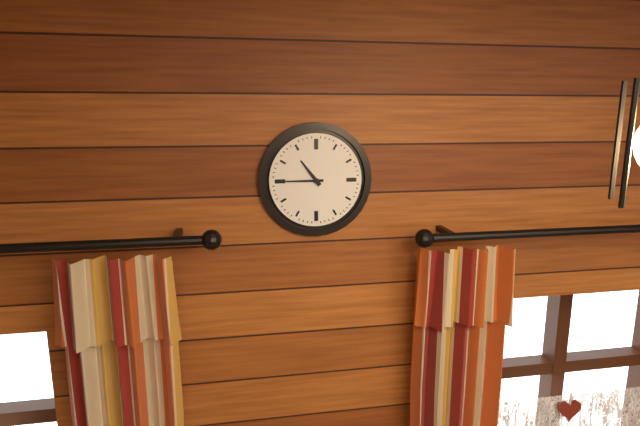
10:45
